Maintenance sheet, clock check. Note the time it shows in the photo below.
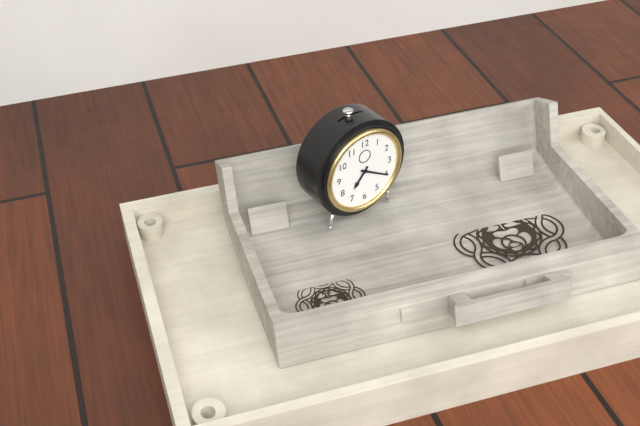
7:20
